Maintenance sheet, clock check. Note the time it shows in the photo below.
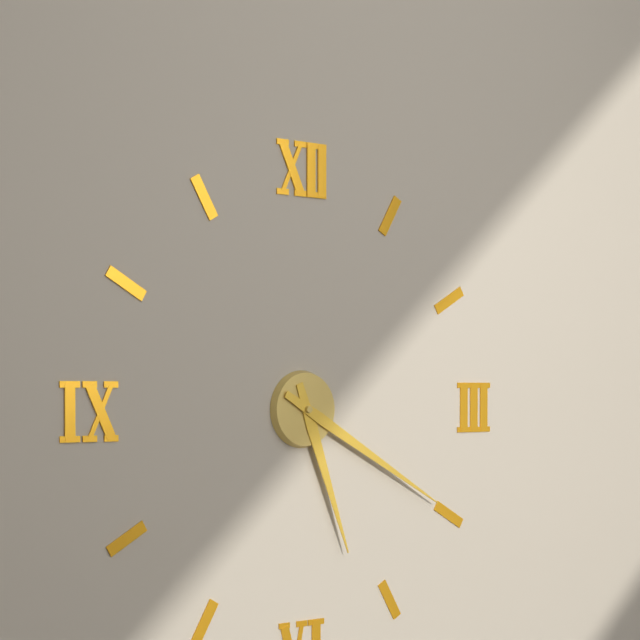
5:20
